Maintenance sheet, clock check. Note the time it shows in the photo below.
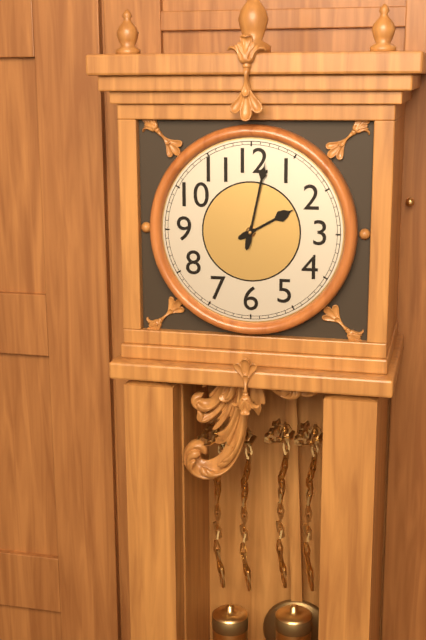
2:02
